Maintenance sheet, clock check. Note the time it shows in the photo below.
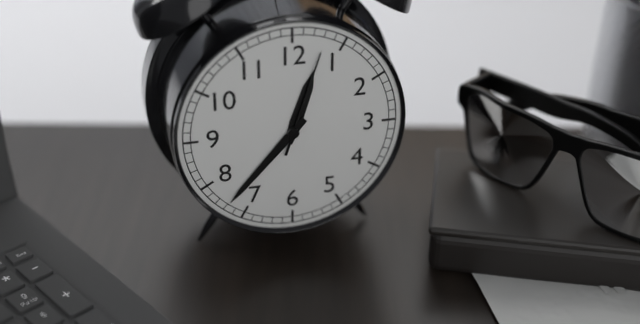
12:37:03
